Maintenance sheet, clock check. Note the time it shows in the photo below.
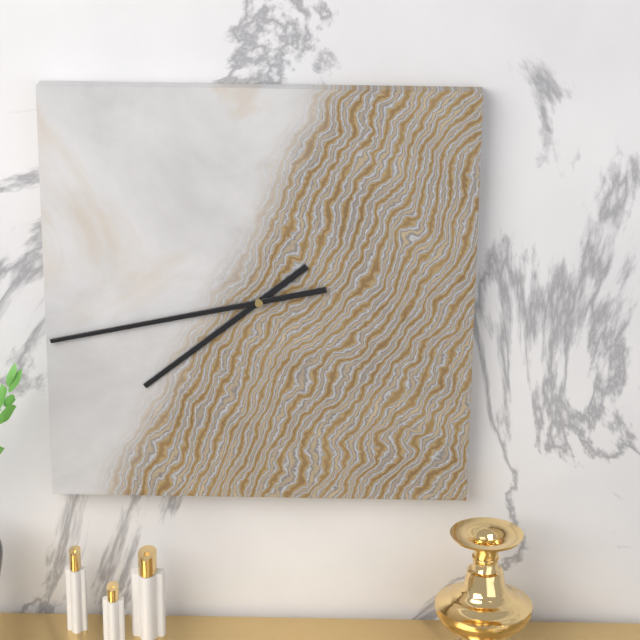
7:43
